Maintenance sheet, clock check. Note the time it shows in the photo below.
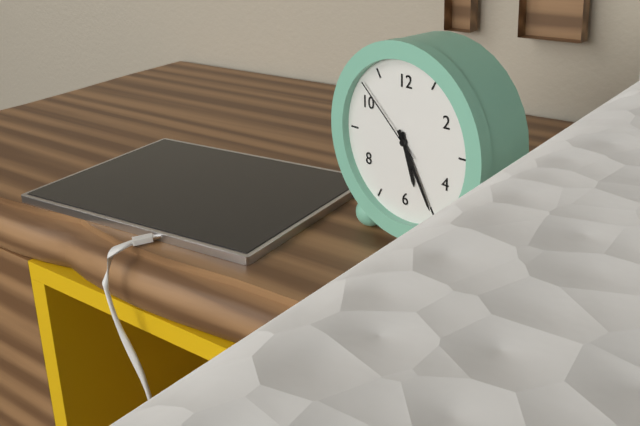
5:25:52
